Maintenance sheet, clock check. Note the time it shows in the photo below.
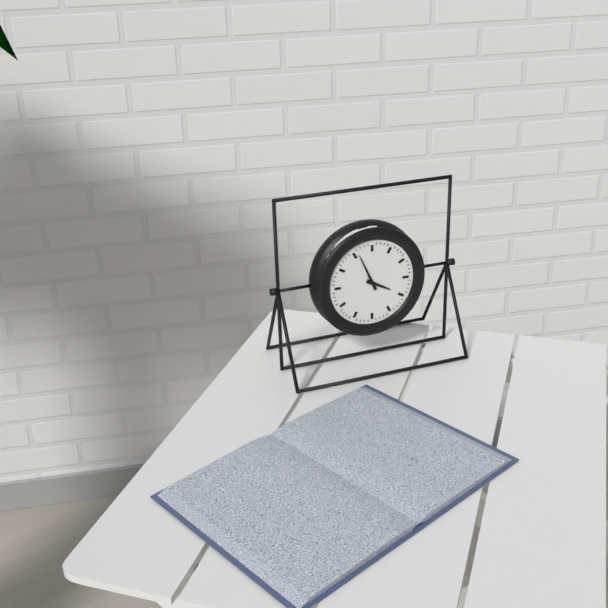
3:56
